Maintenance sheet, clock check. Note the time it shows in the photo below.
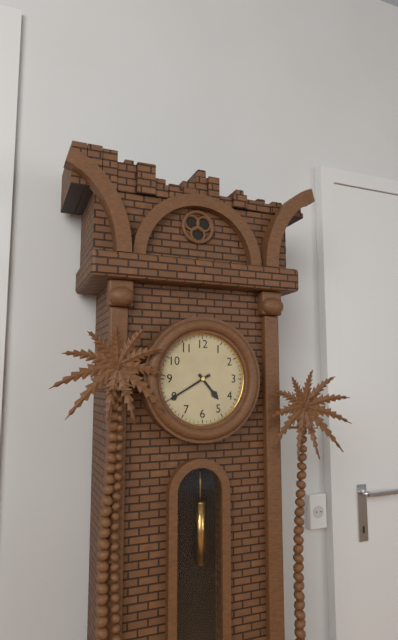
4:40
